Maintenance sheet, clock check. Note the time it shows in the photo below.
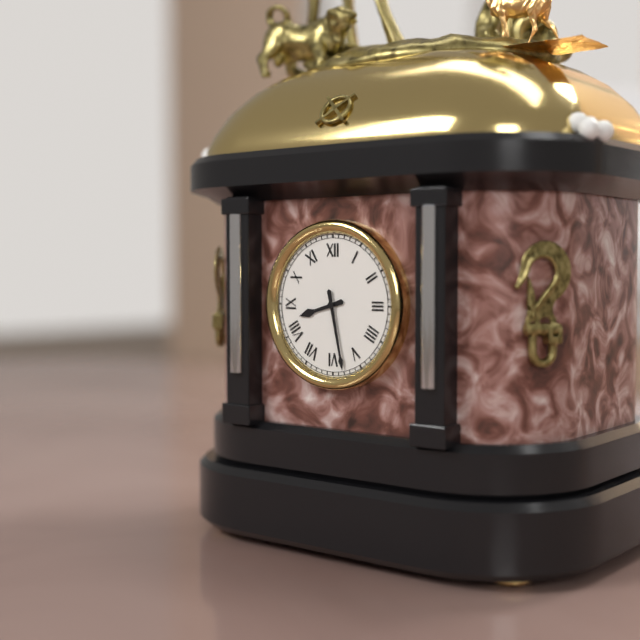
8:28
